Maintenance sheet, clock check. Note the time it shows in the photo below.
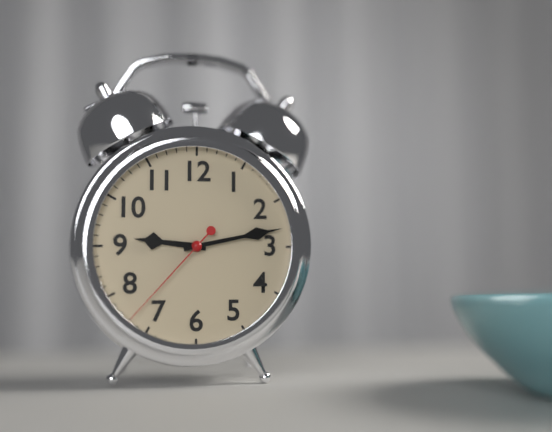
9:13:37
